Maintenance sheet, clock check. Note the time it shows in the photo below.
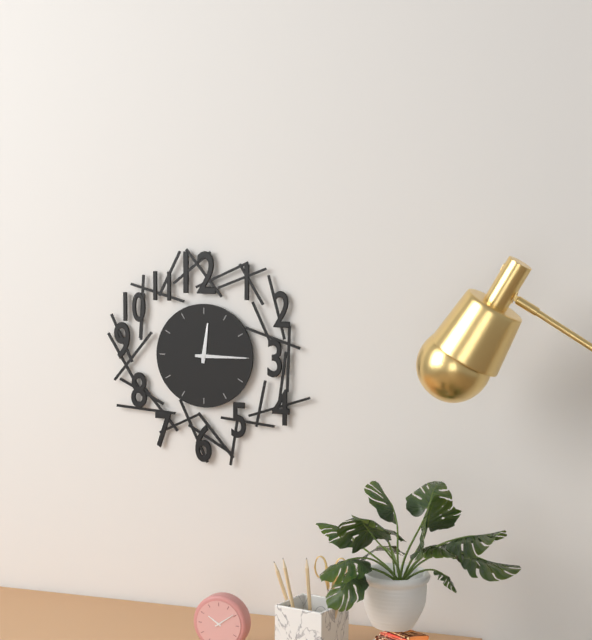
12:15
